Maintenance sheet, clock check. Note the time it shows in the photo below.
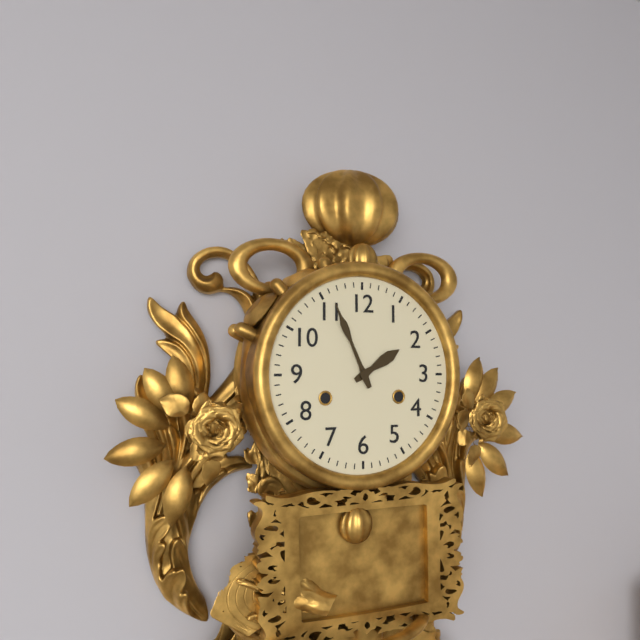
1:56
